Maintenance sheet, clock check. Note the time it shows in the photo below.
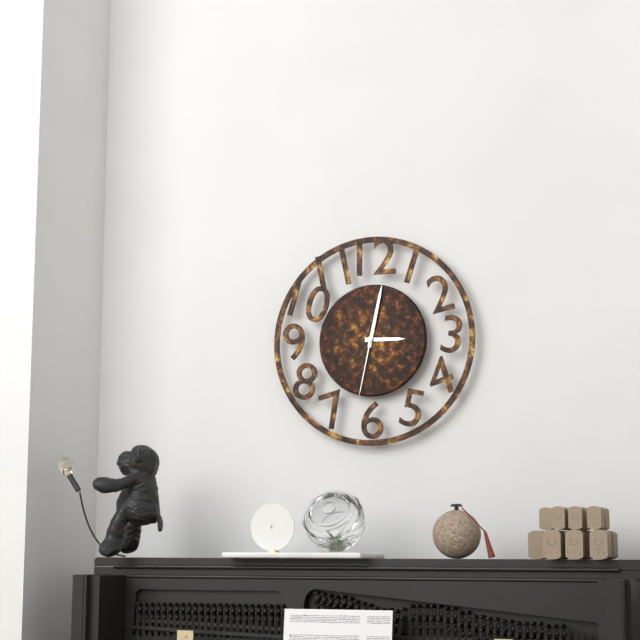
3:02:32
